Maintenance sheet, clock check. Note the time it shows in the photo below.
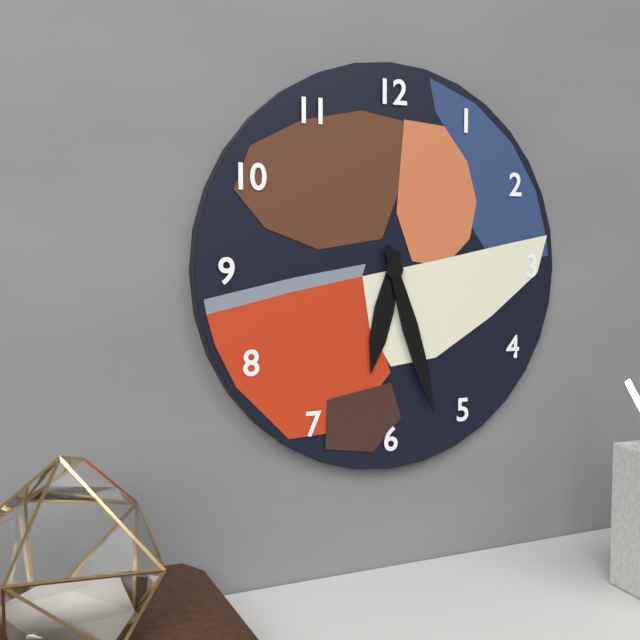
6:27
